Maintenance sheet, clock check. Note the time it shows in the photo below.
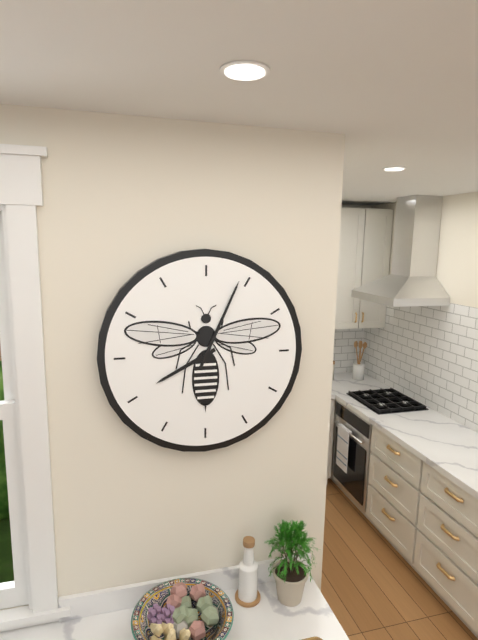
8:04
